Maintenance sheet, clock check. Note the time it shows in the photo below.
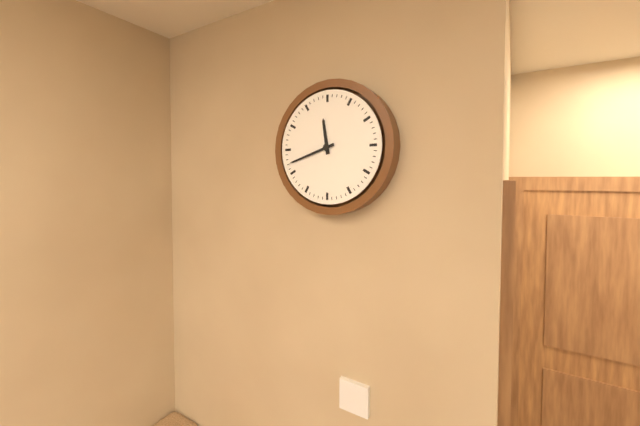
11:42
